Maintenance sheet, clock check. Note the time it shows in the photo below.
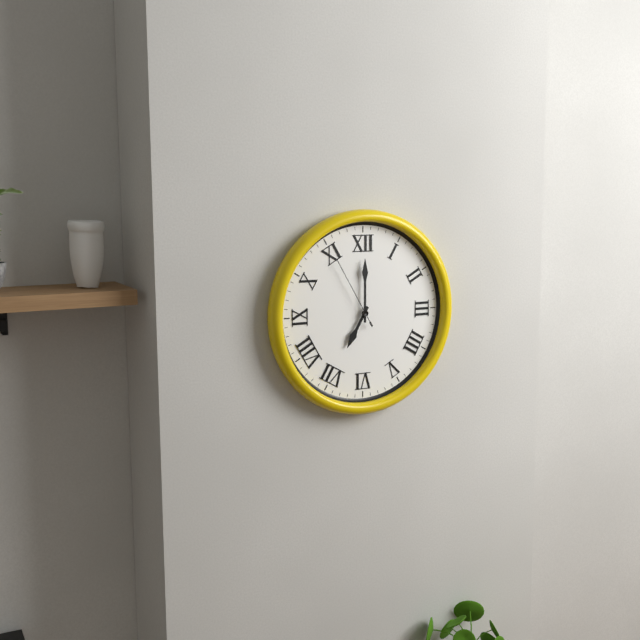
7:00:55
